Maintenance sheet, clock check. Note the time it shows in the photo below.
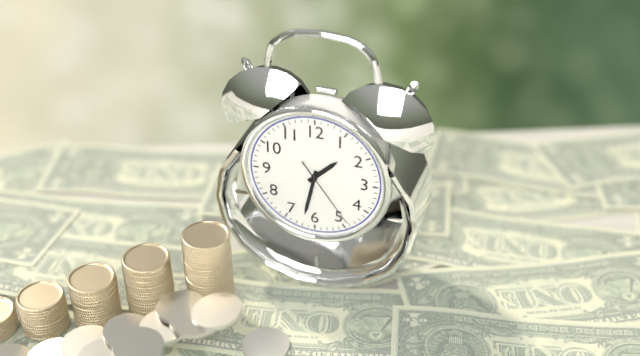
1:32:24
